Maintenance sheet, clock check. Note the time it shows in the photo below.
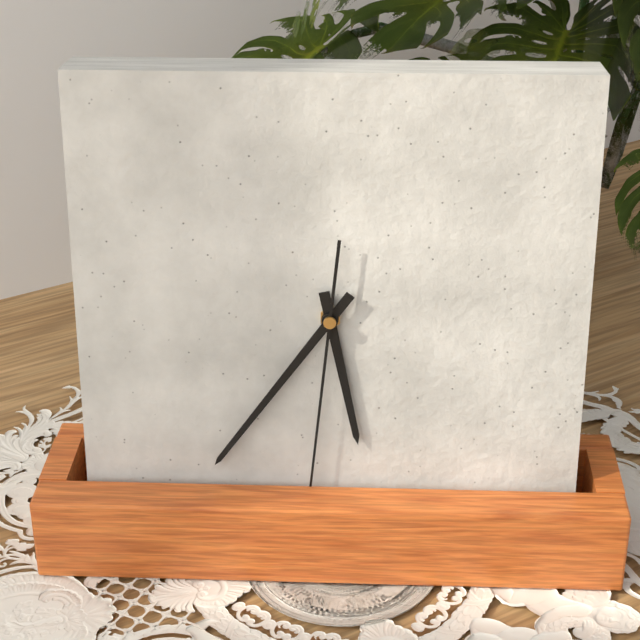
5:36:31
